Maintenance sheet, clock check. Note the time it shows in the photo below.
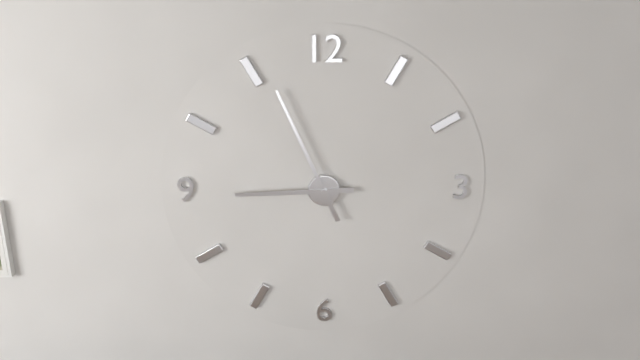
8:56
